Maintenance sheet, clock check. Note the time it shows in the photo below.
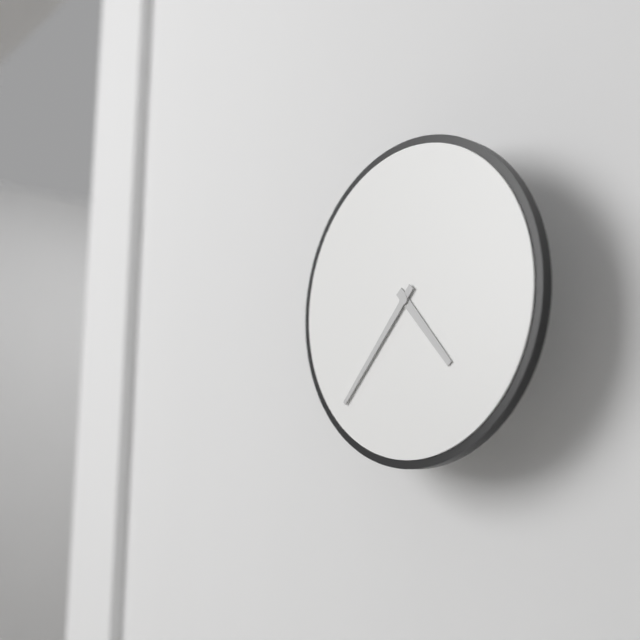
4:37
